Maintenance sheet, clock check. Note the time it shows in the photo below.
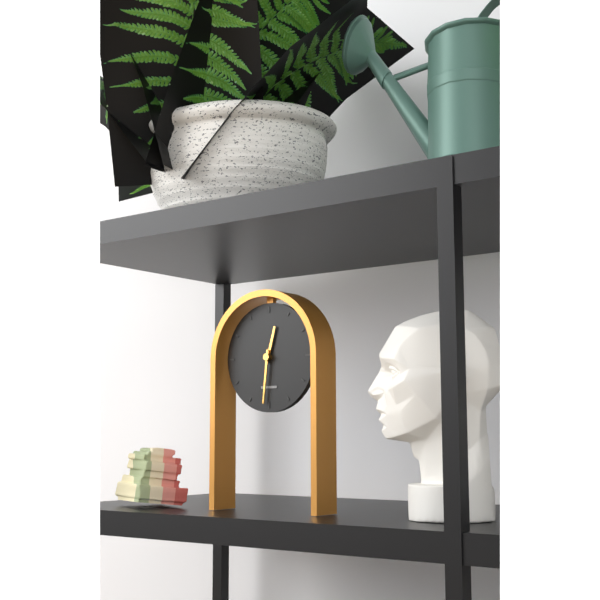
12:31
